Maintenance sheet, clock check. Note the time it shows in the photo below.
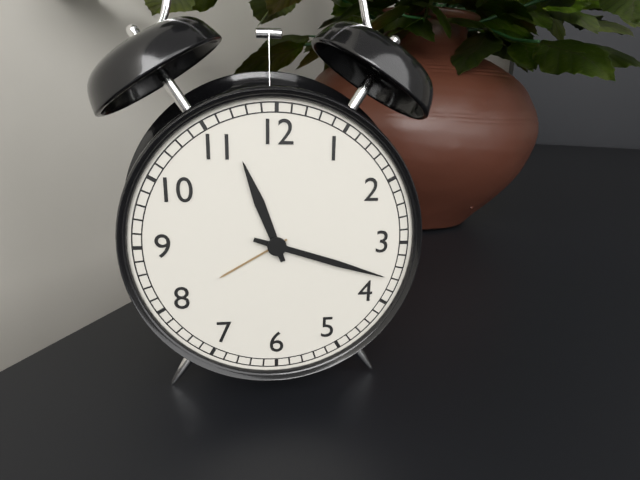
11:18
